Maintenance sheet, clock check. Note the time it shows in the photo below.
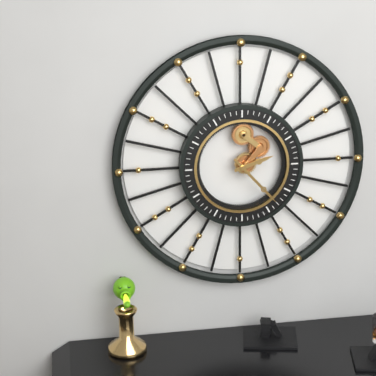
2:23
